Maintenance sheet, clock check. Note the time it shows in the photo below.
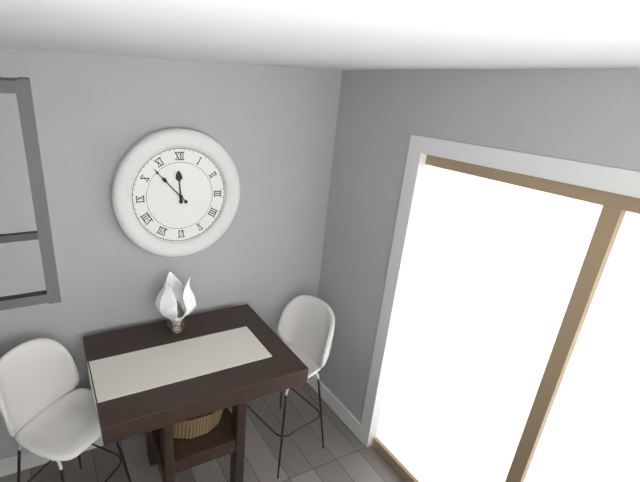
11:53
